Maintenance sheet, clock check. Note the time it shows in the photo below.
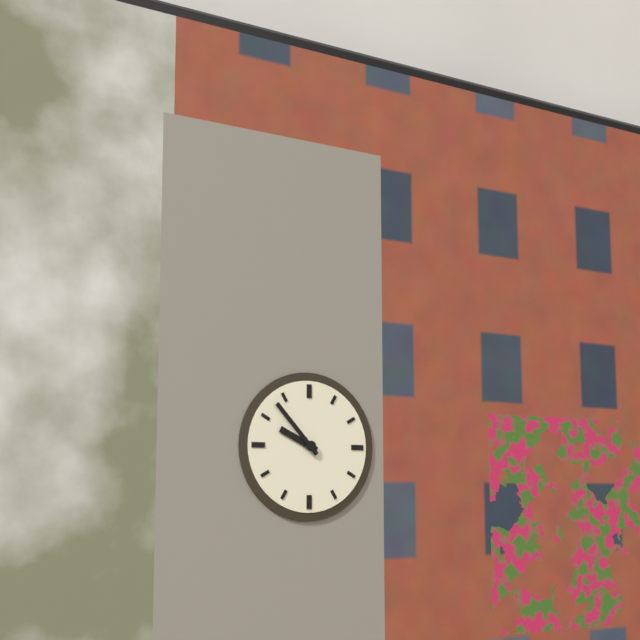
9:53
